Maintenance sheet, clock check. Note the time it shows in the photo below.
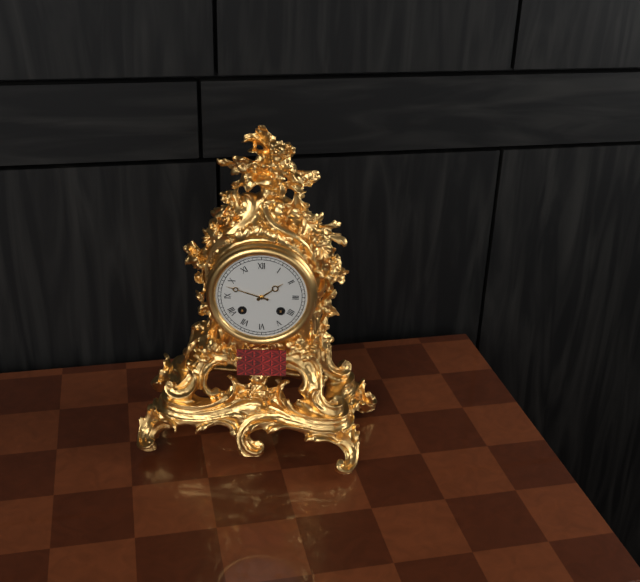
1:48
